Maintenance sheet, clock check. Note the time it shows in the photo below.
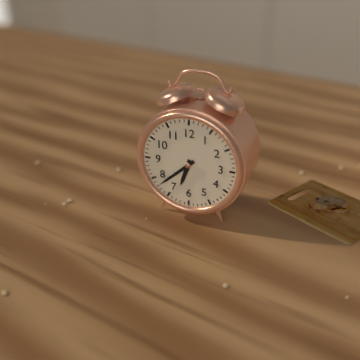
6:38
